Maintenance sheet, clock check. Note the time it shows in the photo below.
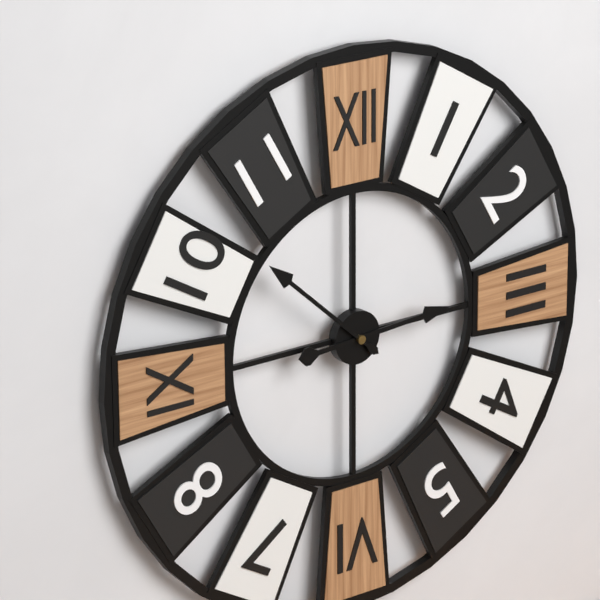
2:52
